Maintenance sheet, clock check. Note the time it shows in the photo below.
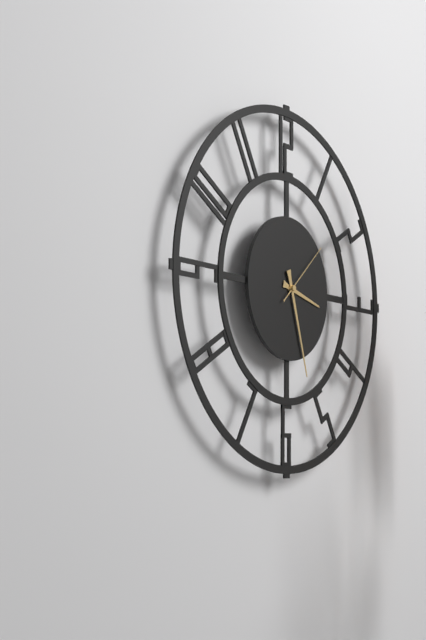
3:27:08
